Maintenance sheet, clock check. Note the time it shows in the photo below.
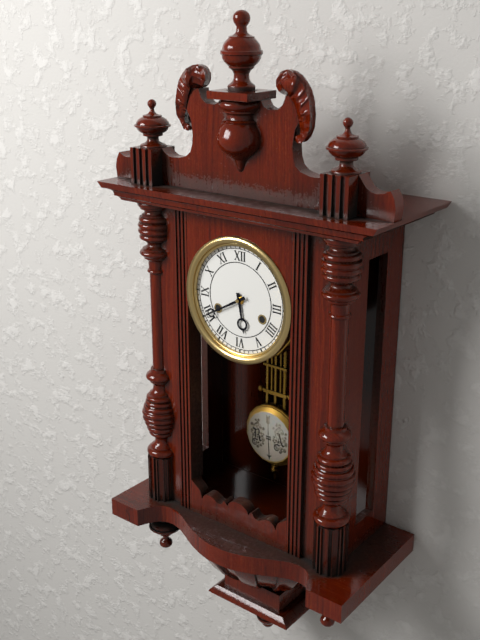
5:40
